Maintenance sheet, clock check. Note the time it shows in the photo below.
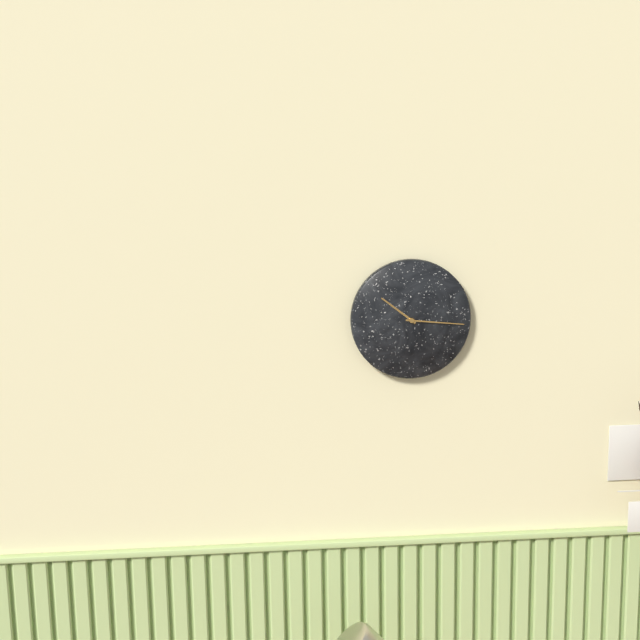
10:16
